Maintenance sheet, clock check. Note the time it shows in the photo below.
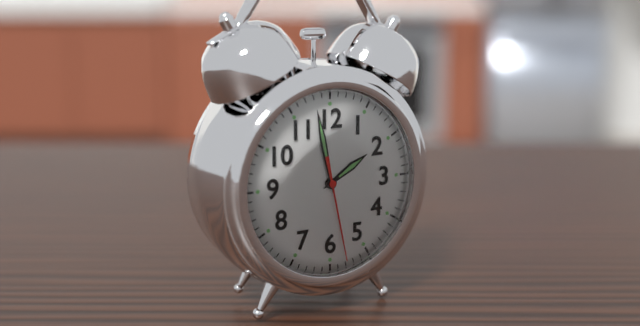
1:58:28
